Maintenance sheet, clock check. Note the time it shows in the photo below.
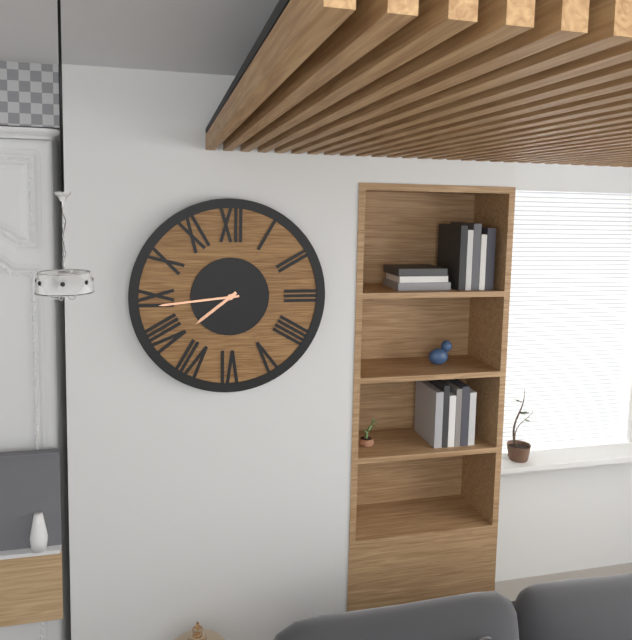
7:44
